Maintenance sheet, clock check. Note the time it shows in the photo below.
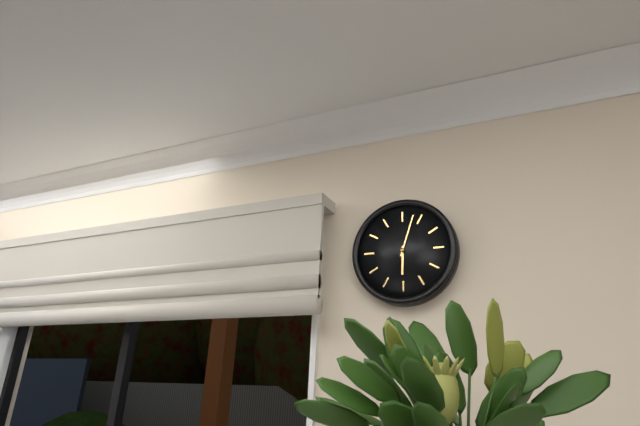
6:03
